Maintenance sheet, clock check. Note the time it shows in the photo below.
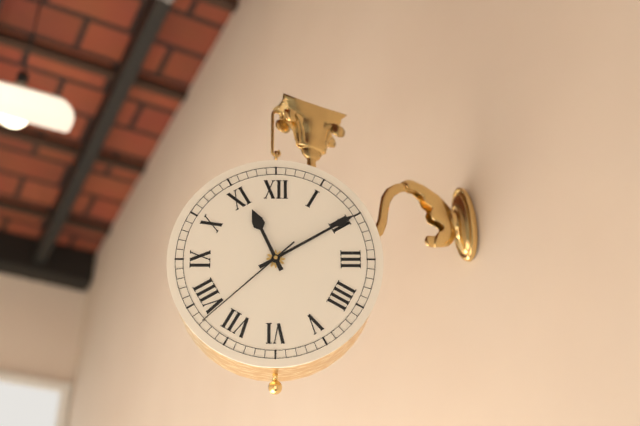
11:10:38
